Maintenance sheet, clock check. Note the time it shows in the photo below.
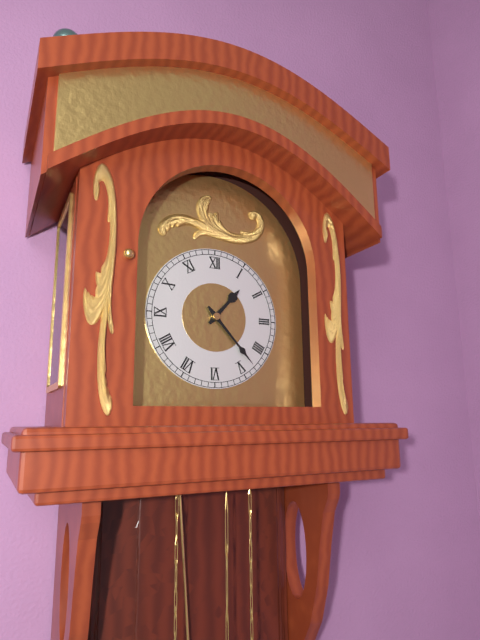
1:23
